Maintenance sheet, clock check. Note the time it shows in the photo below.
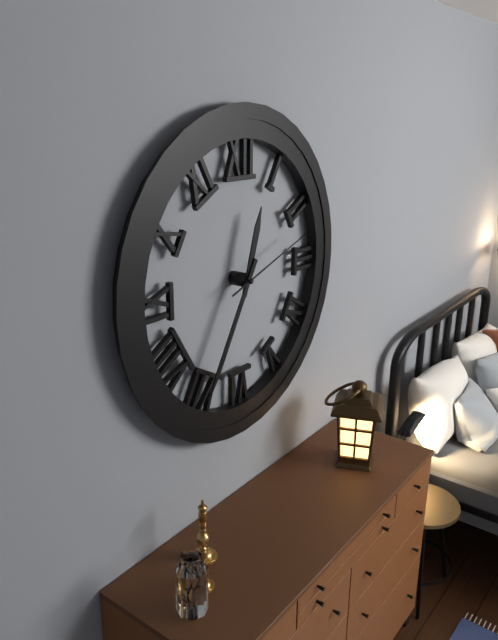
12:35:12
